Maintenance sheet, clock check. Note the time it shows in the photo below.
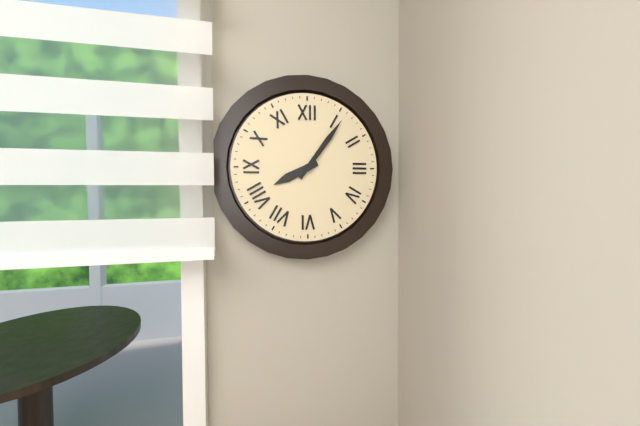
8:06
